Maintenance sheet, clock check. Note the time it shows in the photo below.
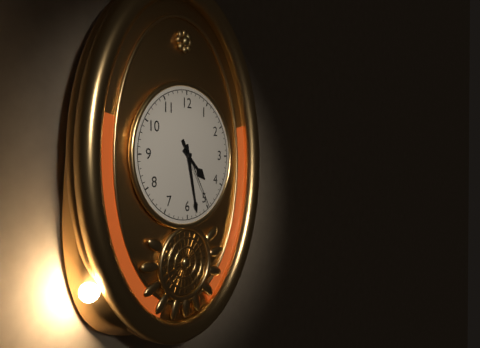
4:28:25
